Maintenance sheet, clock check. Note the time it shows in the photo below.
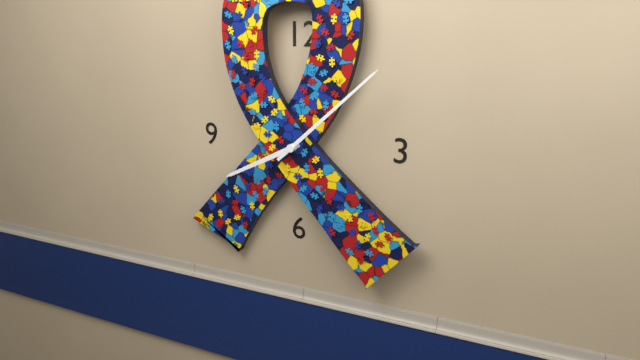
8:08
